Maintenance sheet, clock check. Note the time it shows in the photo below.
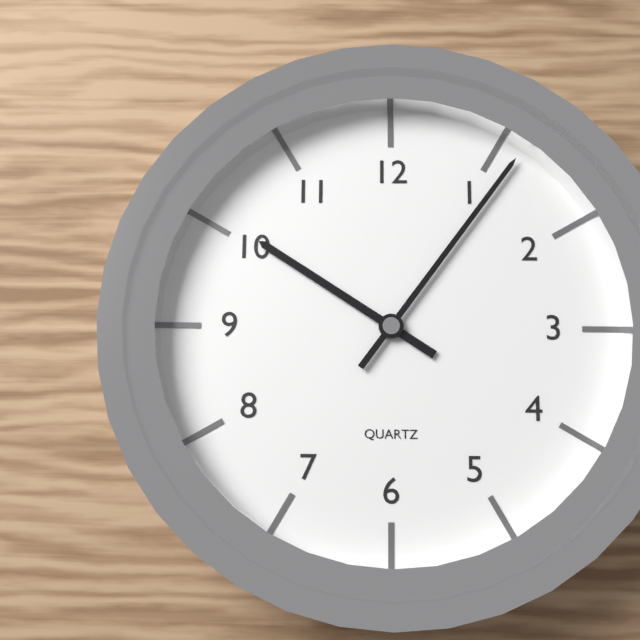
10:06
